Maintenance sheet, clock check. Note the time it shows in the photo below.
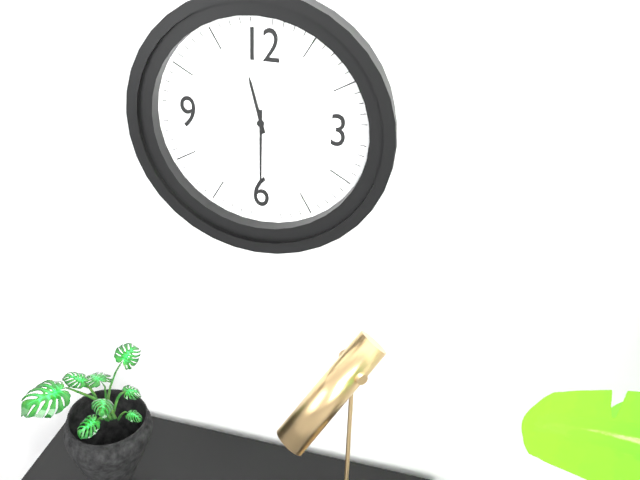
11:30
